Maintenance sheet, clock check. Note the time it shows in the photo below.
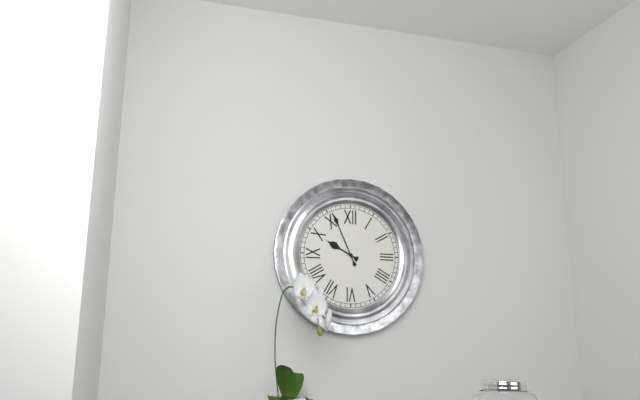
9:56
